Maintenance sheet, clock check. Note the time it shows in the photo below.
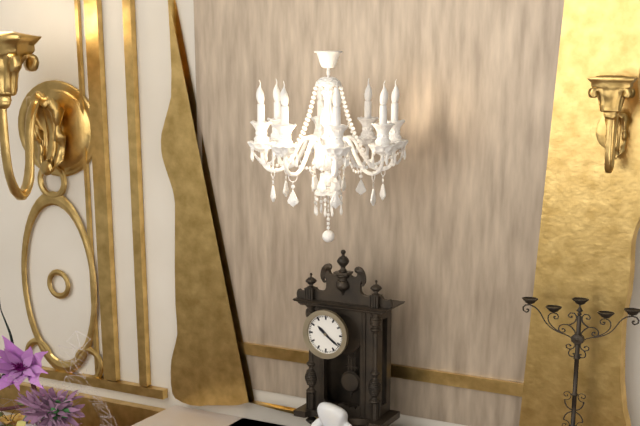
10:21
